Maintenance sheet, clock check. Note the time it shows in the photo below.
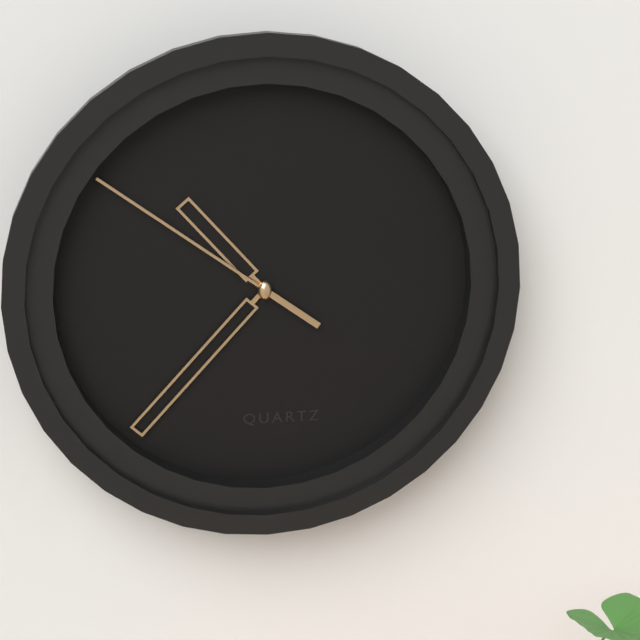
10:37:51
